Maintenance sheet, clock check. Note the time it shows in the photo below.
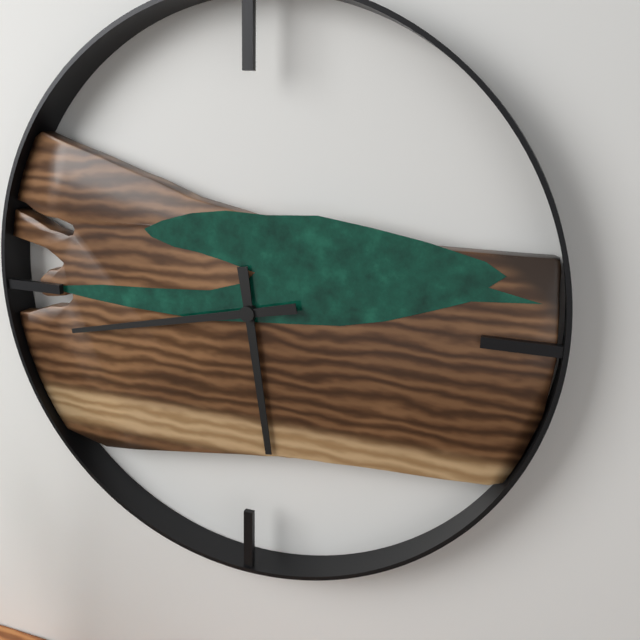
5:43
